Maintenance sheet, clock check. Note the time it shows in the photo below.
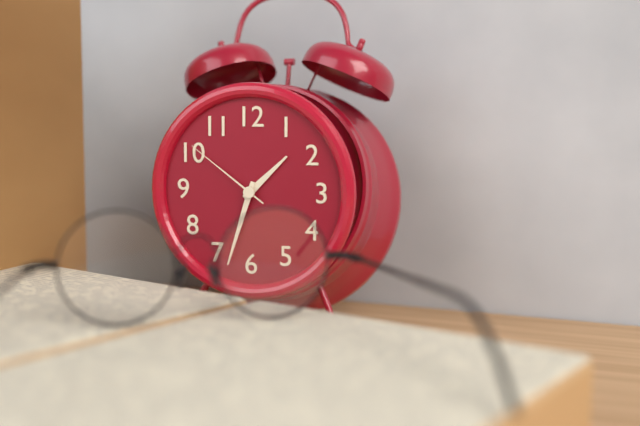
1:33:51
